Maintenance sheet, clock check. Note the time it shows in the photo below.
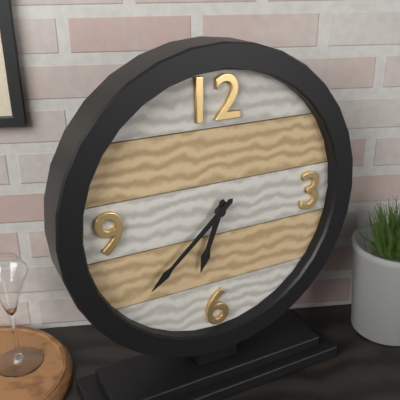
6:38
